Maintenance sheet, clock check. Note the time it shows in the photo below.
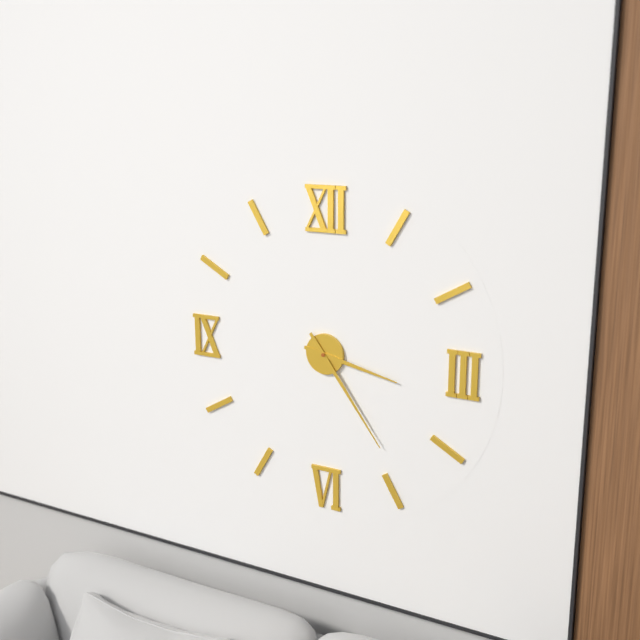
3:24
